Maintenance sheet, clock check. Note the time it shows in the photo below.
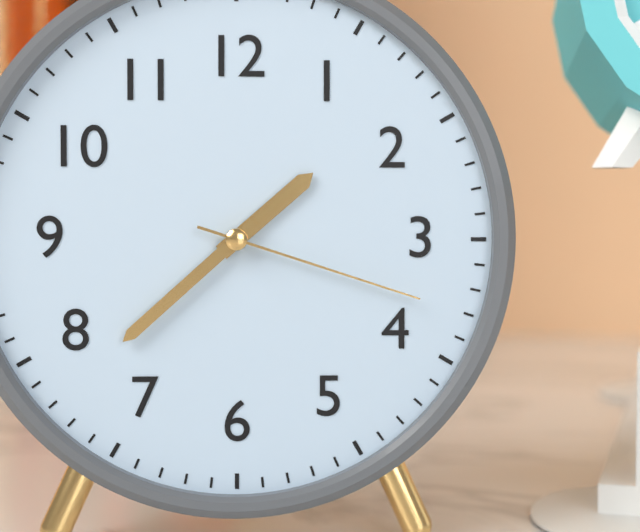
1:38:18
